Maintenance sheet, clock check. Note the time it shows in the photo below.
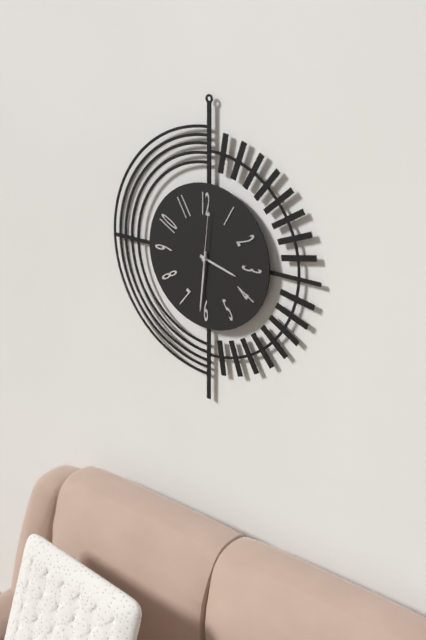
3:31:01
